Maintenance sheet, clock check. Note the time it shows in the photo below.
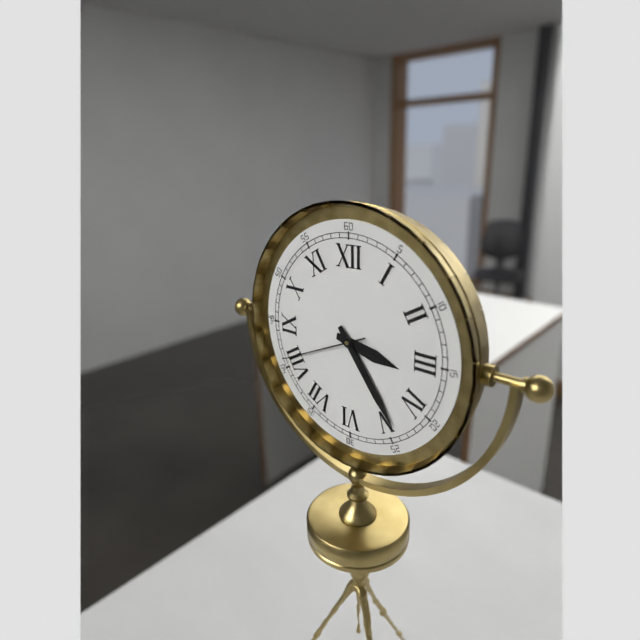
3:24:41
